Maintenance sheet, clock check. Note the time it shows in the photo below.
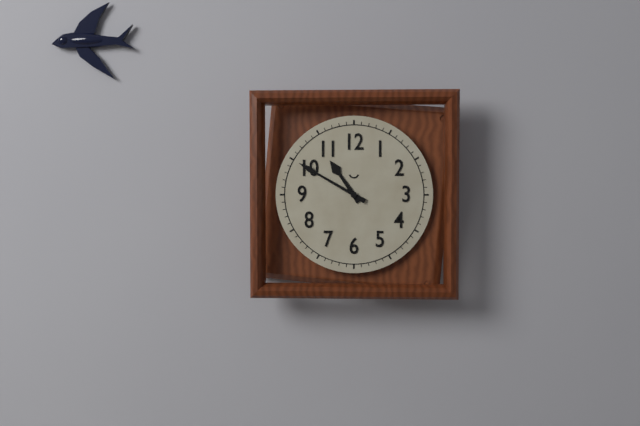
10:50
